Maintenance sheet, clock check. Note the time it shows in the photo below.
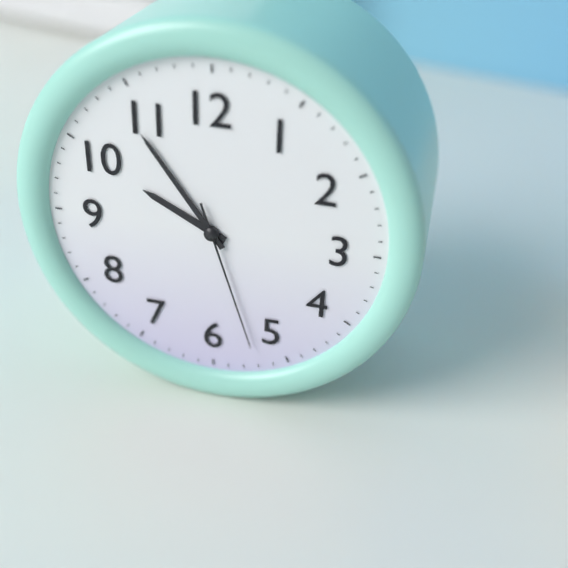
9:54:27
